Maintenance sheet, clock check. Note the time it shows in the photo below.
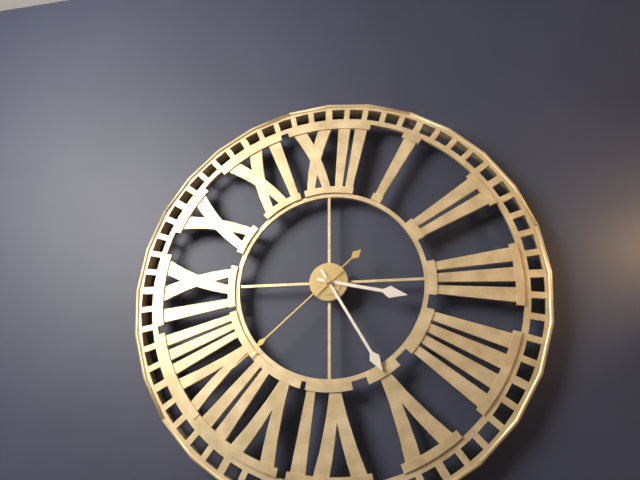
3:25:38
